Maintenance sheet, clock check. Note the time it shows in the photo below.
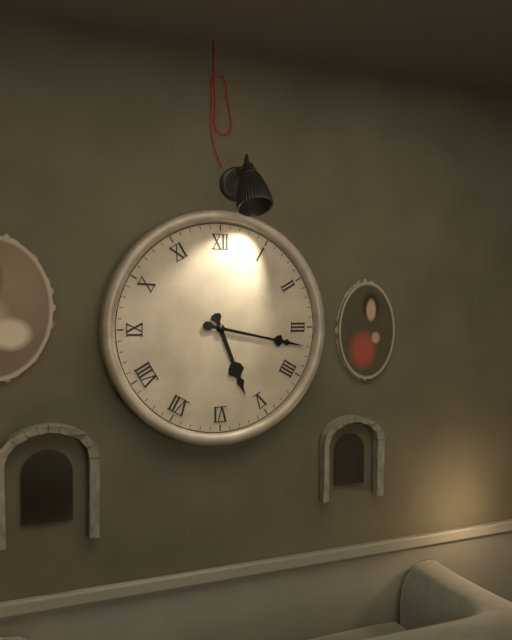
5:17
